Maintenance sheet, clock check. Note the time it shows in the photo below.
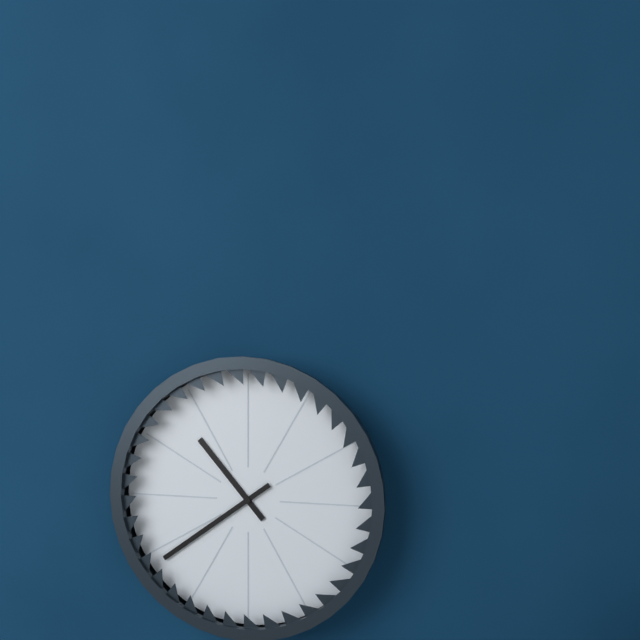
10:39
